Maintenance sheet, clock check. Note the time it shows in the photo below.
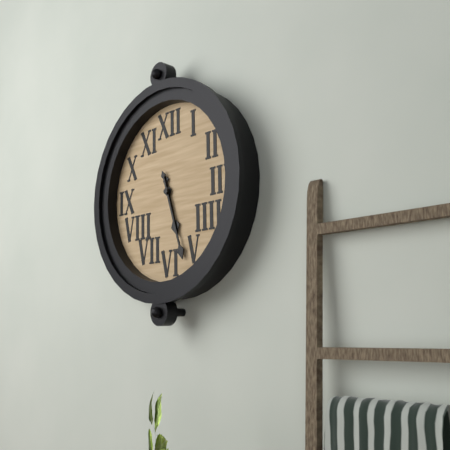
5:27
